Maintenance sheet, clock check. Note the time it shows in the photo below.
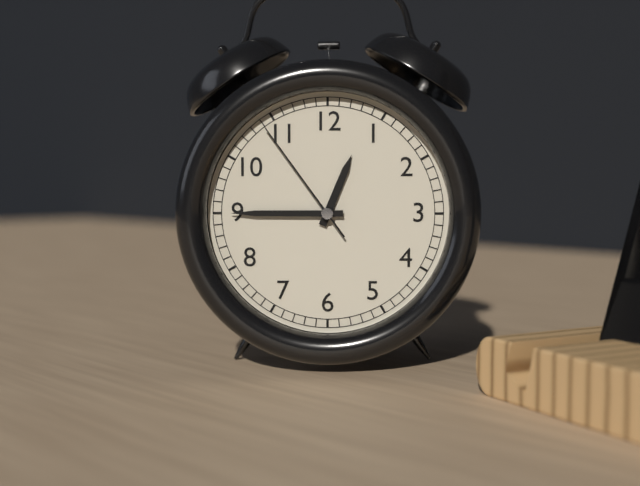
12:45:54
